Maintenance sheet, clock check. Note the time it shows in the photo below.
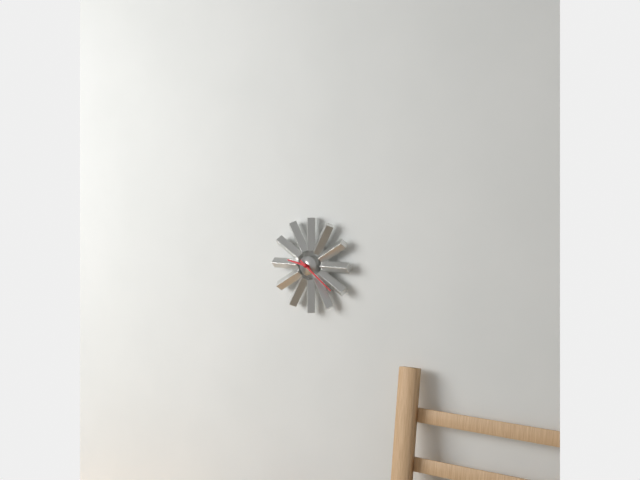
9:21
